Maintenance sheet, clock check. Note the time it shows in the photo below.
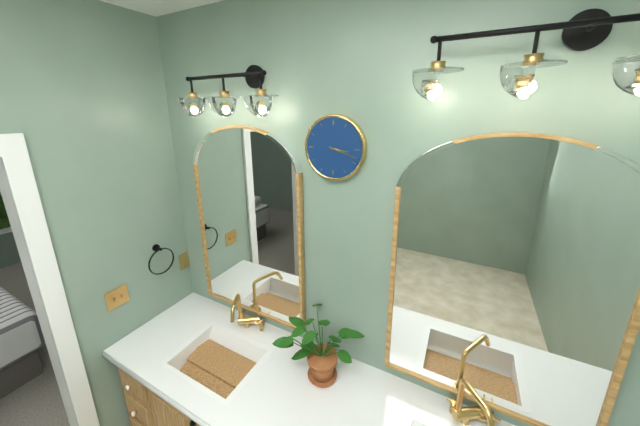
3:18
